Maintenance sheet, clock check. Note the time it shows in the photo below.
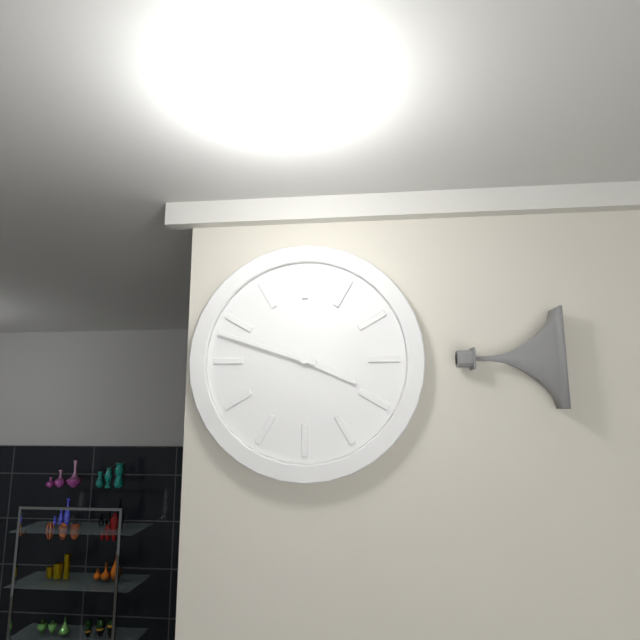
3:48
